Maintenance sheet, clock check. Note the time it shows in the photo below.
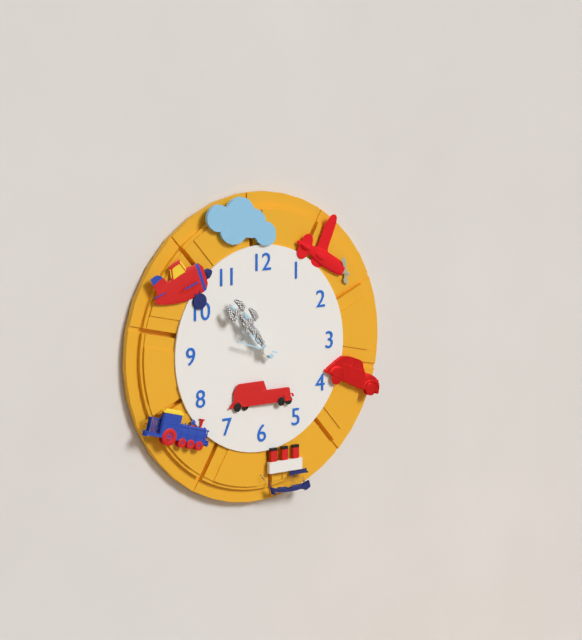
10:53
